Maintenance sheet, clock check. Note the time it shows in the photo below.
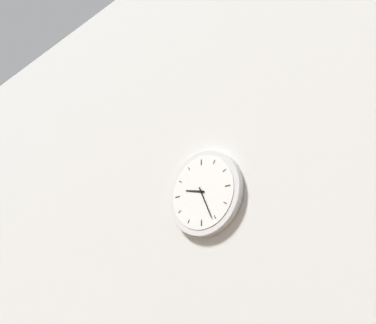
9:26
